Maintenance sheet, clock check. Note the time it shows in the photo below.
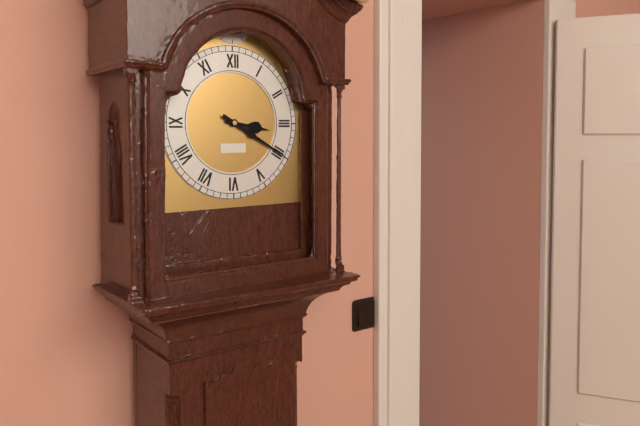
3:20
